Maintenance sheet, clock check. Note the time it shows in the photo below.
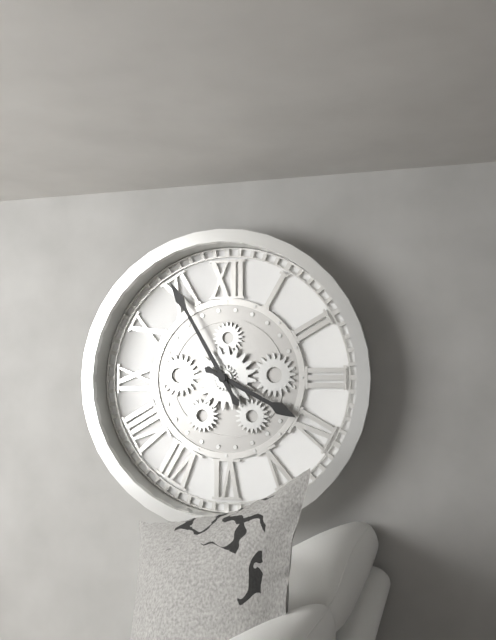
3:55
